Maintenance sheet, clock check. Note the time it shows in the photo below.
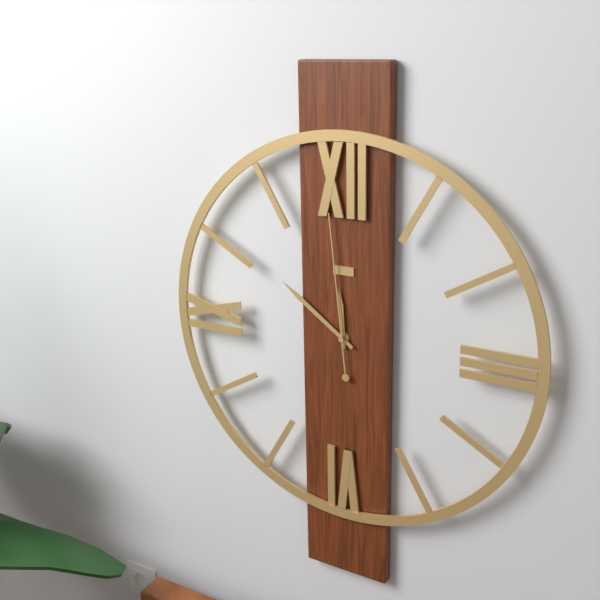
11:51:59
